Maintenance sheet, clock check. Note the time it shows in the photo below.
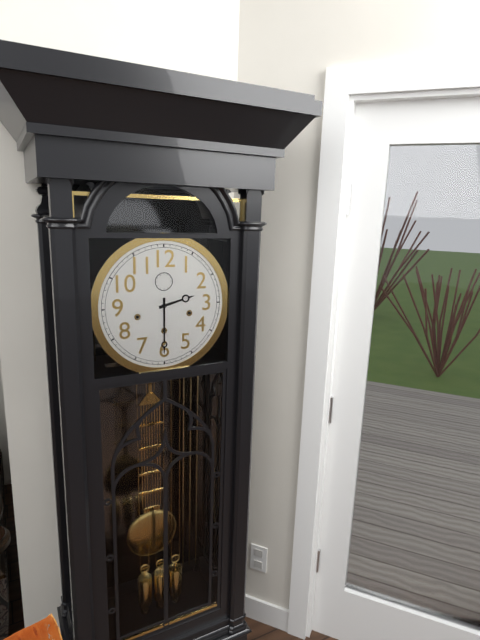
2:30
